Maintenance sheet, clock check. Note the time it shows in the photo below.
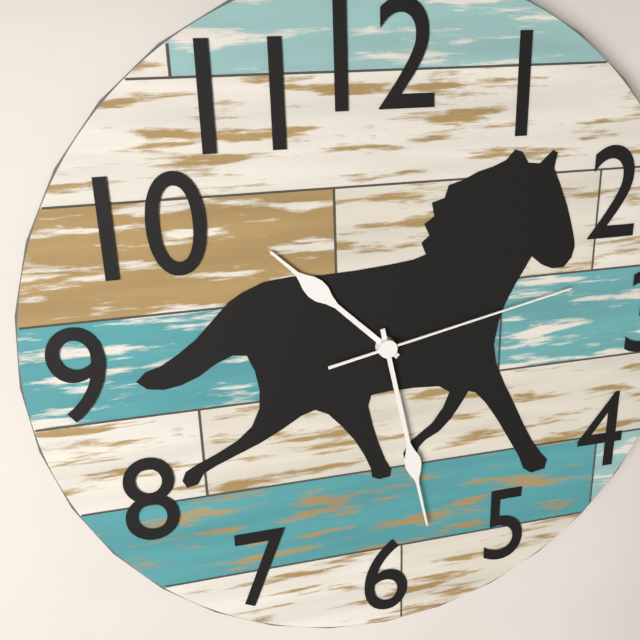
10:28:13
